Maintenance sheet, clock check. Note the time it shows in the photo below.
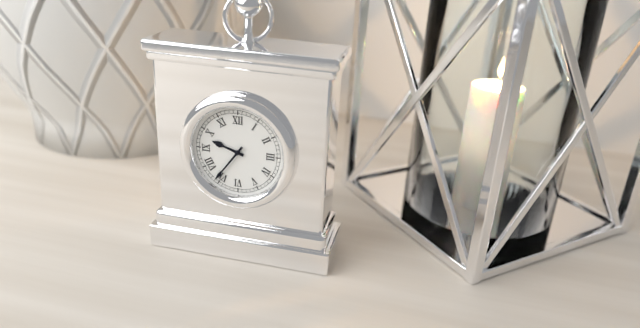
9:36
